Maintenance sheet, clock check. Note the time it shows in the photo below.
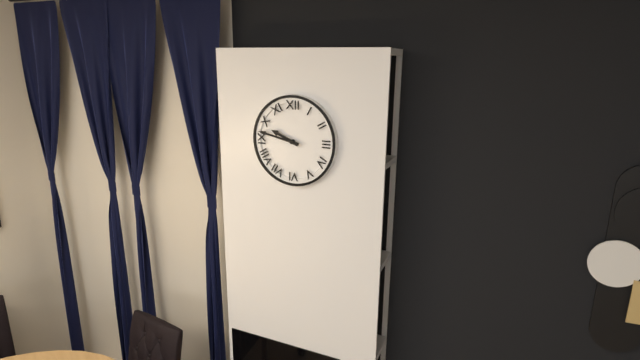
9:47
